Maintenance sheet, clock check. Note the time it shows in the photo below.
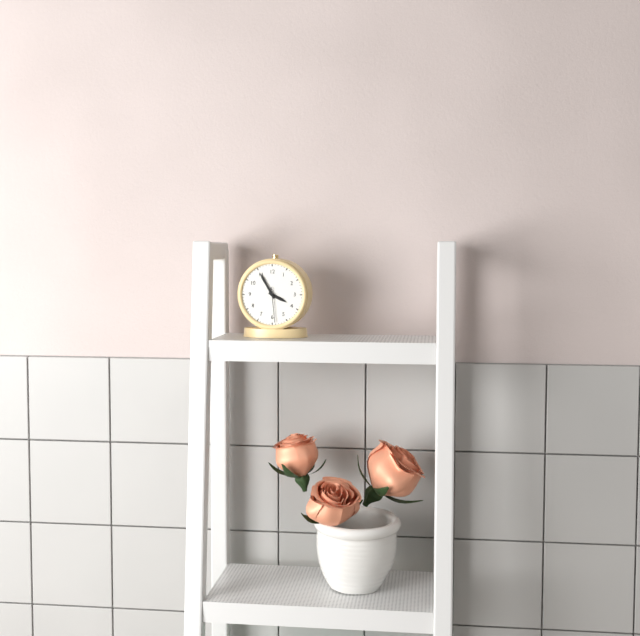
3:55
